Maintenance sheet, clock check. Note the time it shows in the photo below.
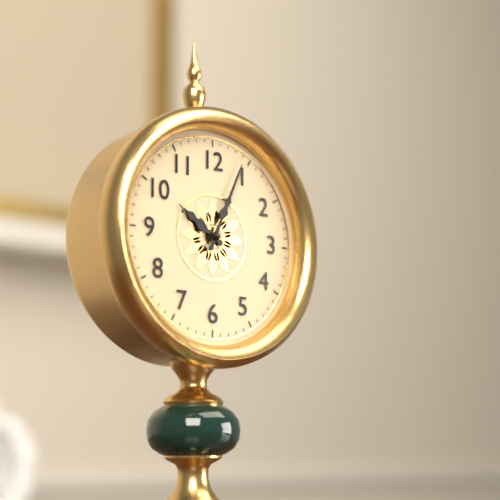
10:04
